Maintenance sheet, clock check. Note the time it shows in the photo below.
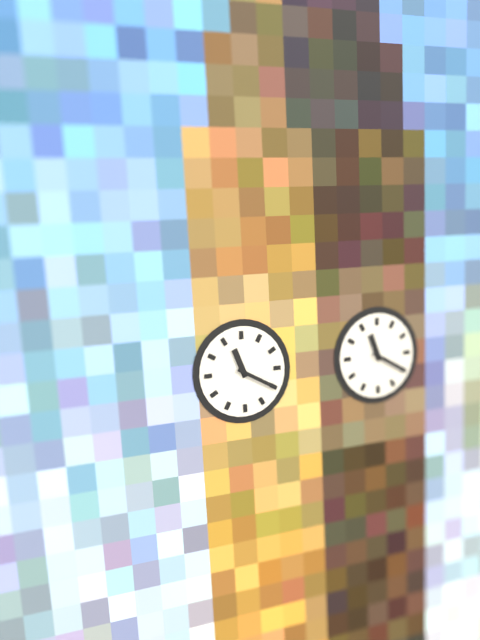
11:20
